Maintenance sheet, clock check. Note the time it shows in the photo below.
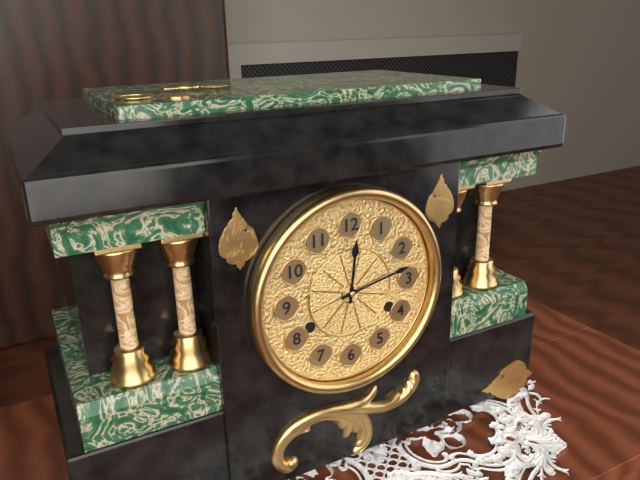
12:13
